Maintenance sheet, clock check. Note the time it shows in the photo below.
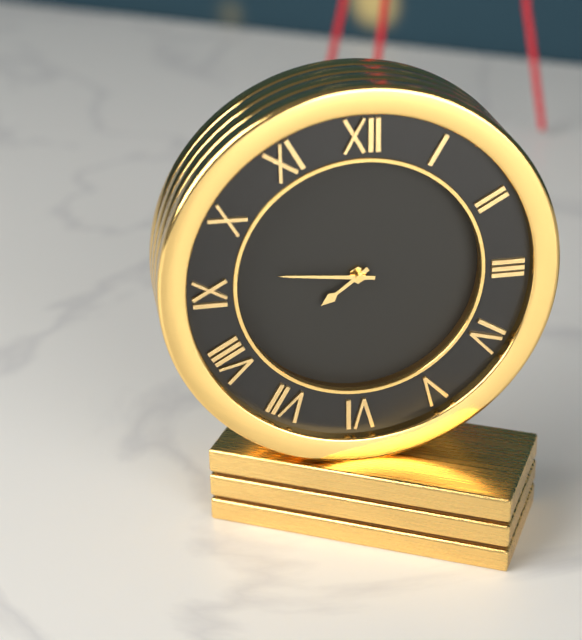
7:46
